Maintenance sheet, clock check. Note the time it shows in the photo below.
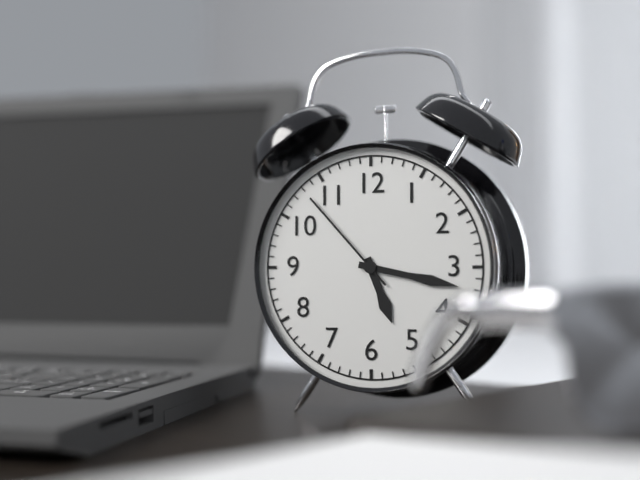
5:17:53
